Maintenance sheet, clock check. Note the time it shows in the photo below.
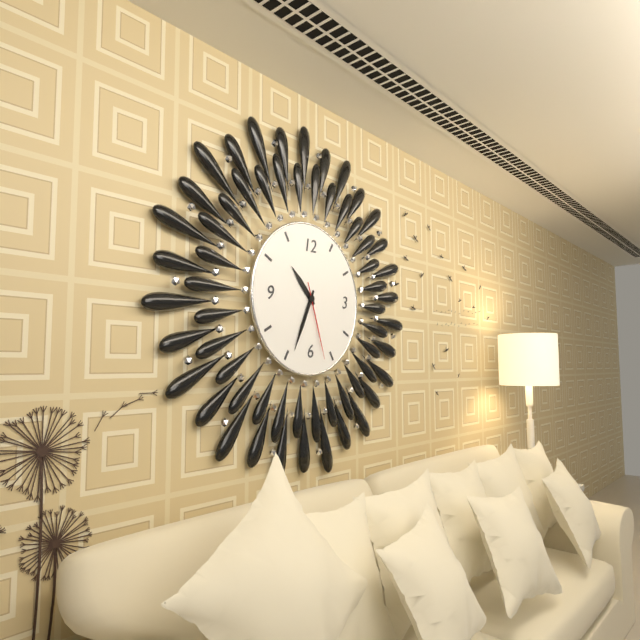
10:34:27
